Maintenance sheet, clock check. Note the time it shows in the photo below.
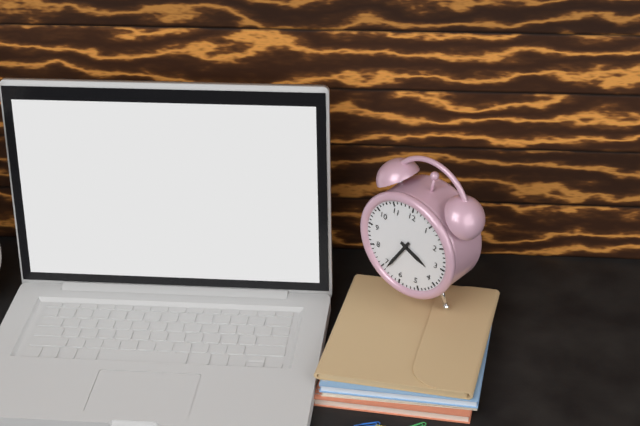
3:34
